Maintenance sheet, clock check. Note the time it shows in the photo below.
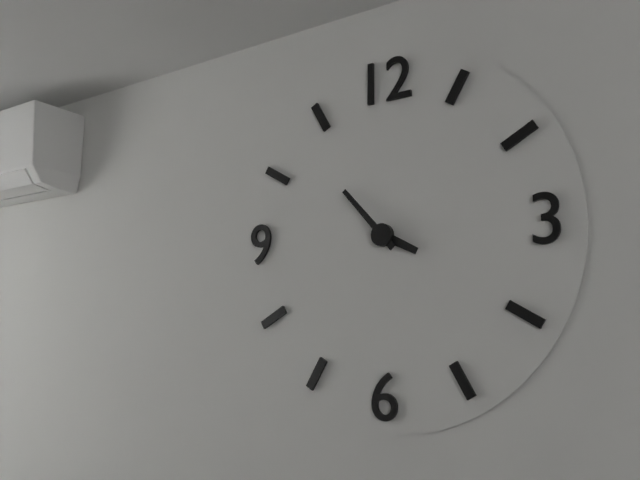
3:53
